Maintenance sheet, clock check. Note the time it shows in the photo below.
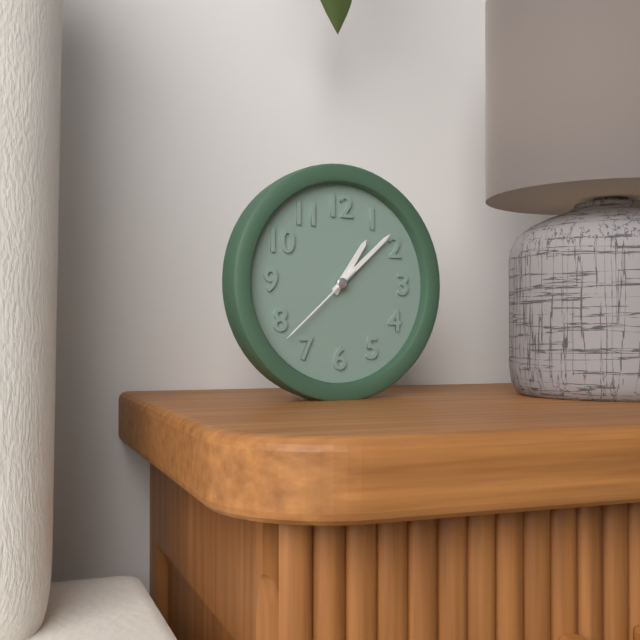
1:08:38
